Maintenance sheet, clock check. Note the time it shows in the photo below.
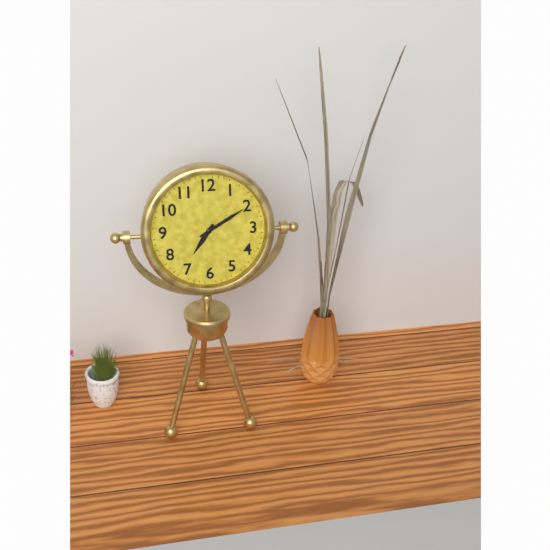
7:10
